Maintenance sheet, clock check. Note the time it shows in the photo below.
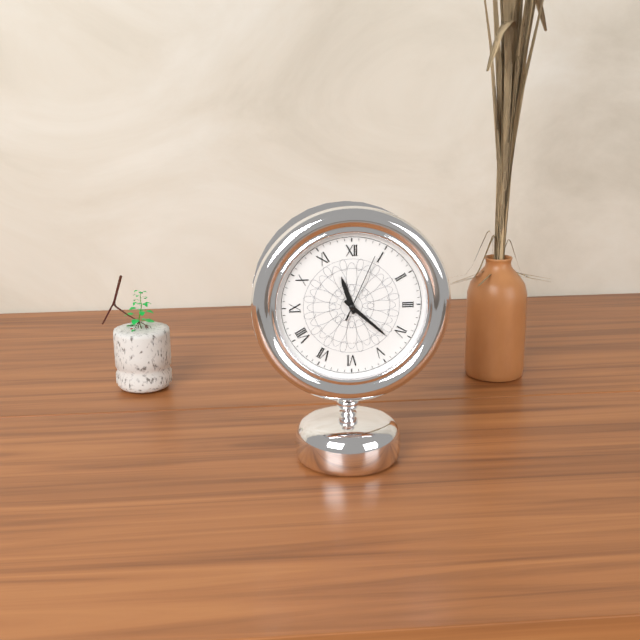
11:22:04
